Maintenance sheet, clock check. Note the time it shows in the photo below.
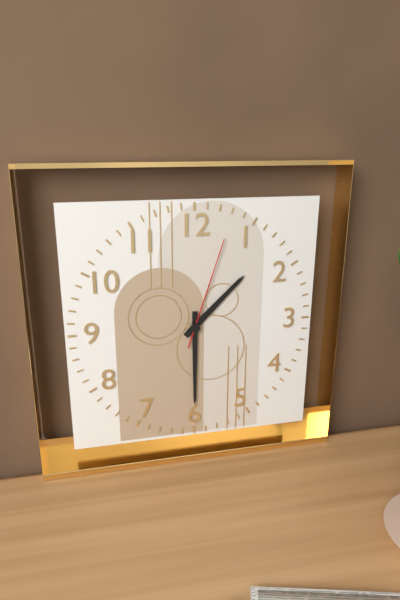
1:30:03
